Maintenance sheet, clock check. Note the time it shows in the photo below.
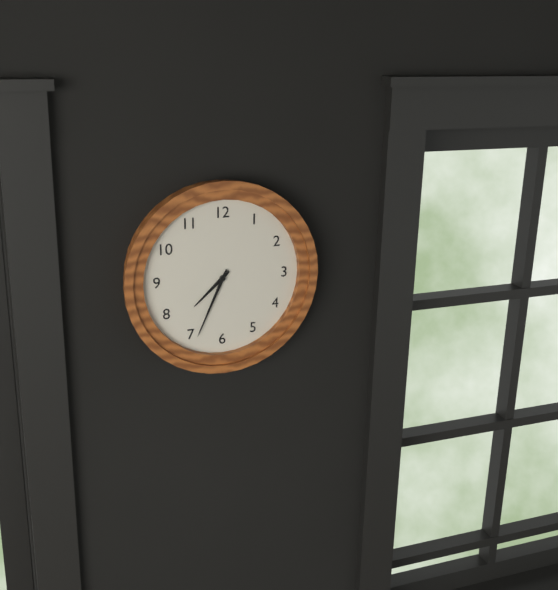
7:34
